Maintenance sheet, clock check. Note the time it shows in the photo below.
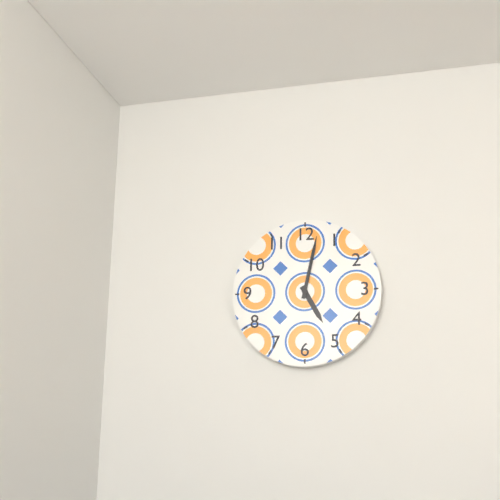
5:02
